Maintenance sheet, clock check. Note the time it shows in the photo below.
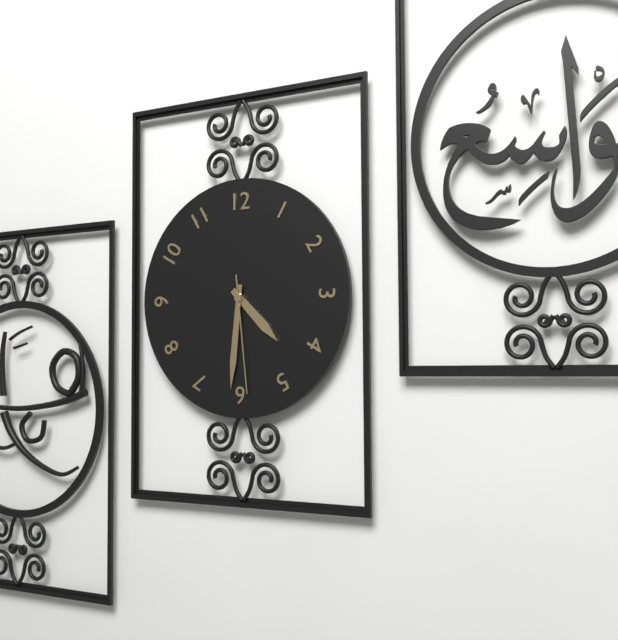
4:31:29
